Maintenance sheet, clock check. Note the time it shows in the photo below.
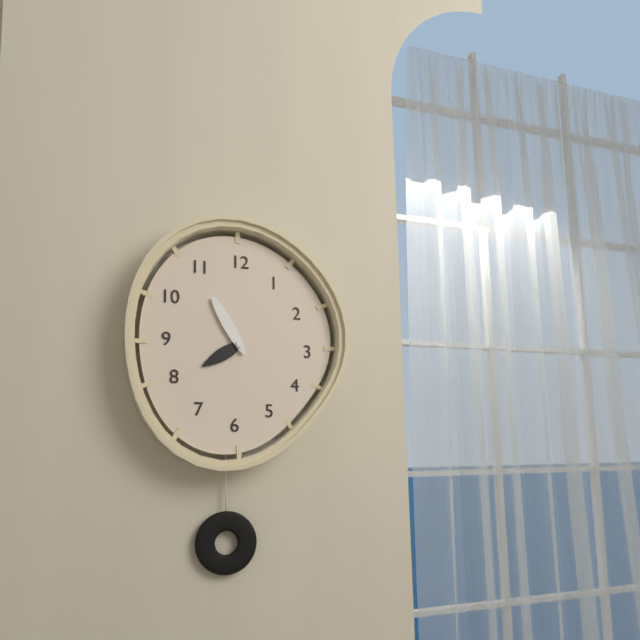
7:55
